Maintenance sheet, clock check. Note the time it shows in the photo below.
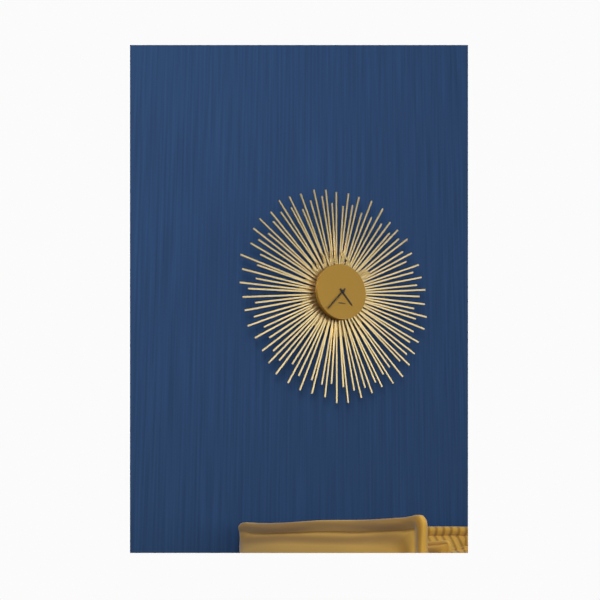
4:37
